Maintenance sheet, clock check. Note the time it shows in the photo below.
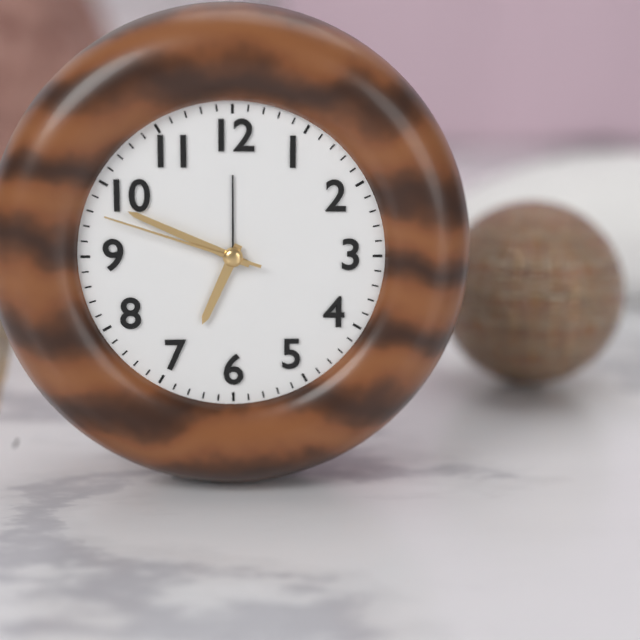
6:49:48
